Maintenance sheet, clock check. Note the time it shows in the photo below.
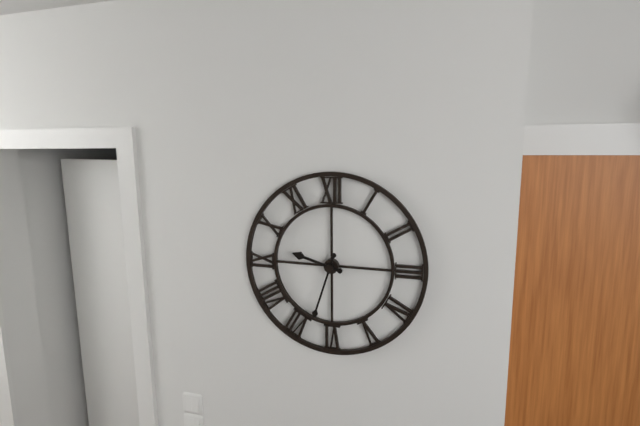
9:33
